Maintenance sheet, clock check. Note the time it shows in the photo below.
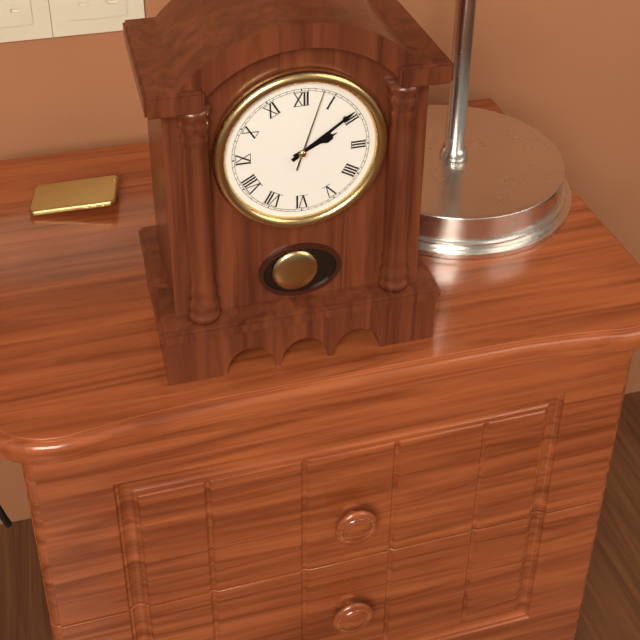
2:09:03
